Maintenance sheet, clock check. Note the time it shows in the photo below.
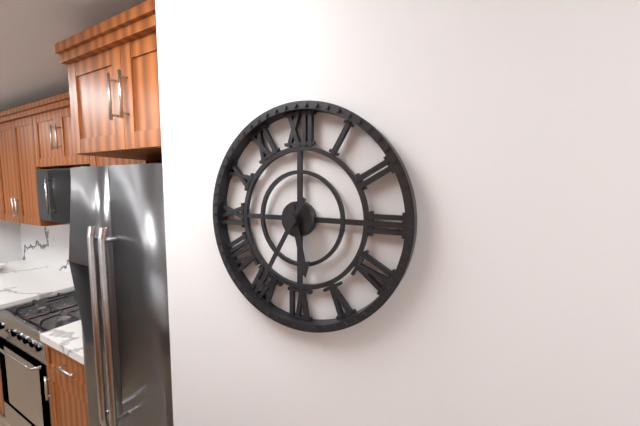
5:35
